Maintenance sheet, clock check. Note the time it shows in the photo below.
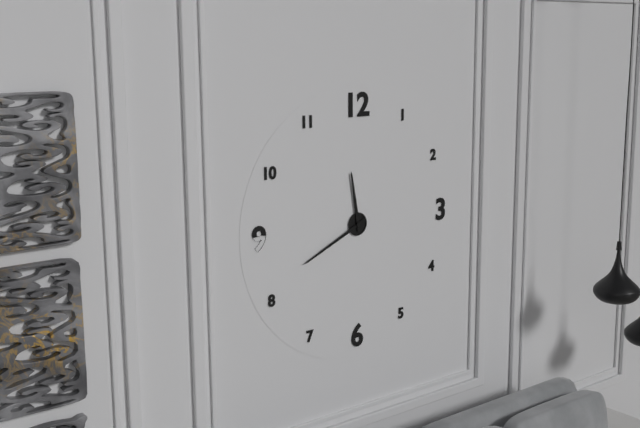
11:41
